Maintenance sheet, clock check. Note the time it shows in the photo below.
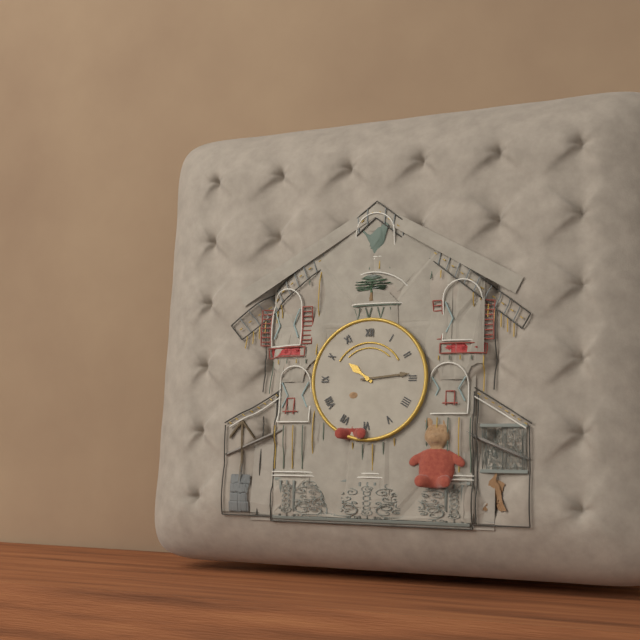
10:14
